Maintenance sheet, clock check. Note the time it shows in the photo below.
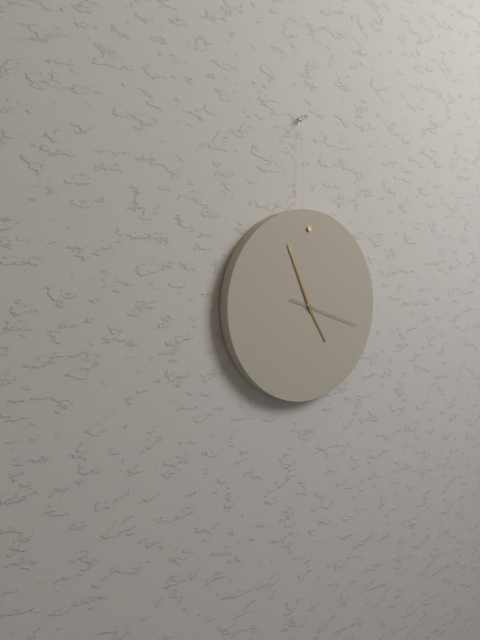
4:56:18
